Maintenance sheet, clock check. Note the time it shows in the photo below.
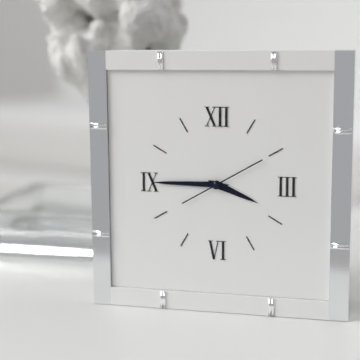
3:45:10
